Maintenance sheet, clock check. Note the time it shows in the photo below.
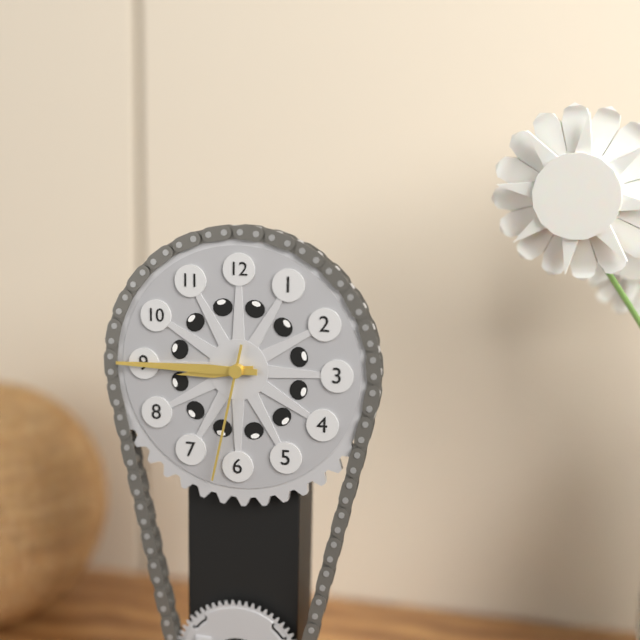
8:45:32
